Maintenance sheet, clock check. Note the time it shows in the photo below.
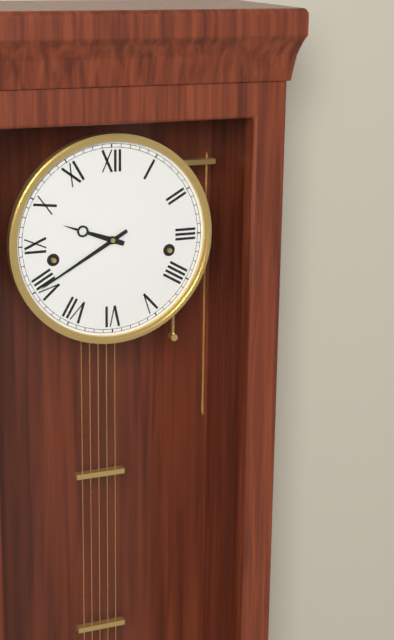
9:40
